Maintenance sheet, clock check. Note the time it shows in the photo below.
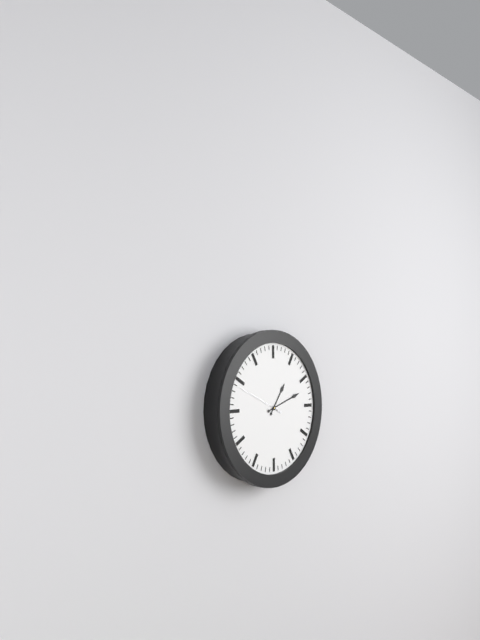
1:12
